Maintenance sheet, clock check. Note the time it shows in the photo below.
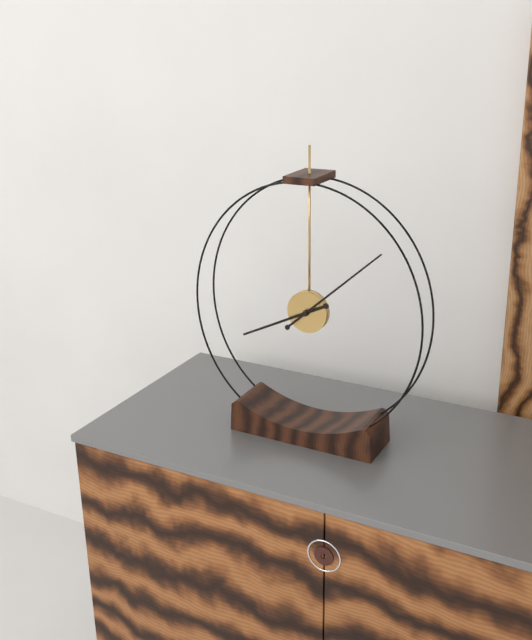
8:08
